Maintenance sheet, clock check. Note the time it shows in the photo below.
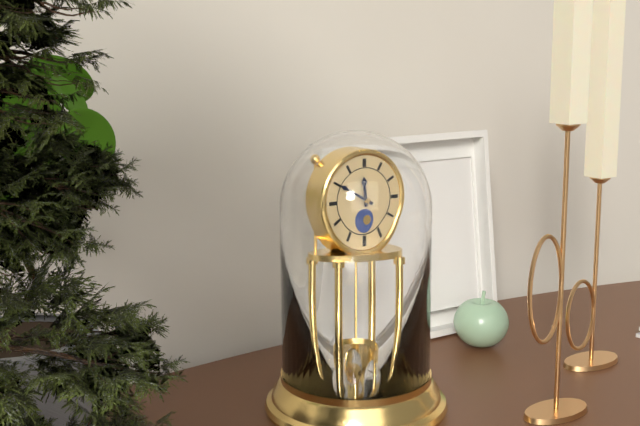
11:50
